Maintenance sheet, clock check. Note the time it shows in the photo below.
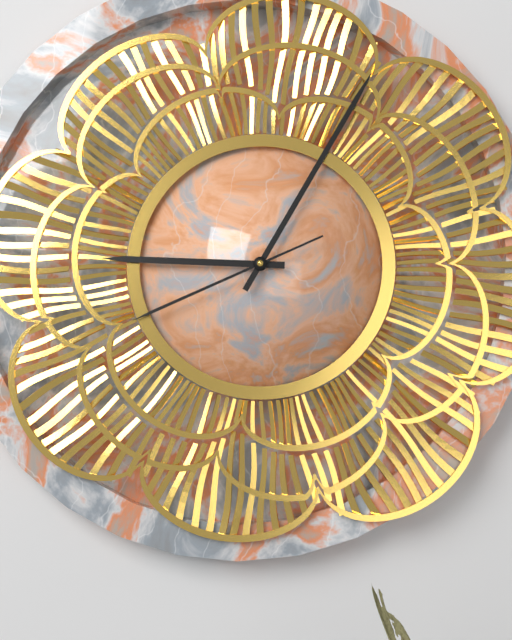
9:05:41
